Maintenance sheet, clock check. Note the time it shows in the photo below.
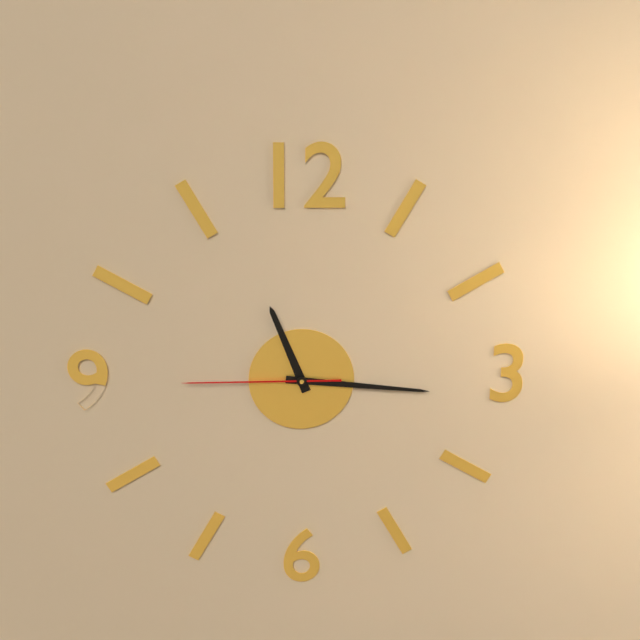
11:16:45
